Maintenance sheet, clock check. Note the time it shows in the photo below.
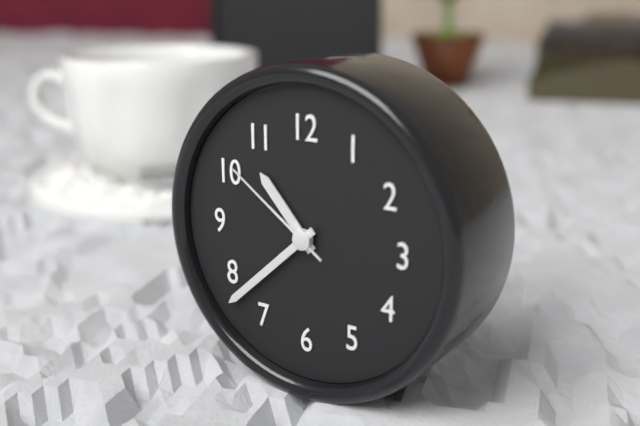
10:38:51
